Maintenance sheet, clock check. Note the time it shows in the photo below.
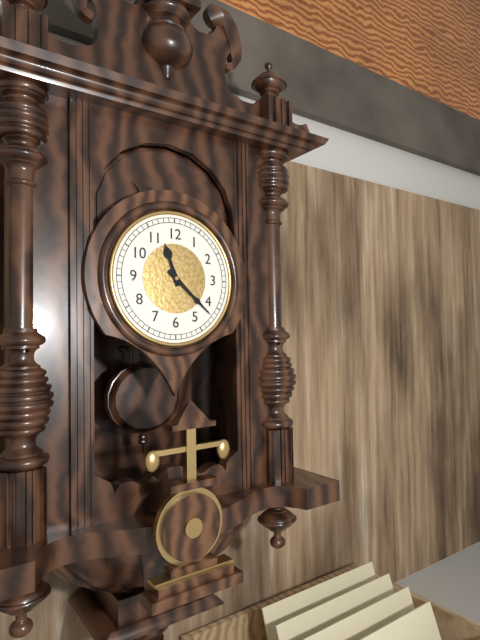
11:22
